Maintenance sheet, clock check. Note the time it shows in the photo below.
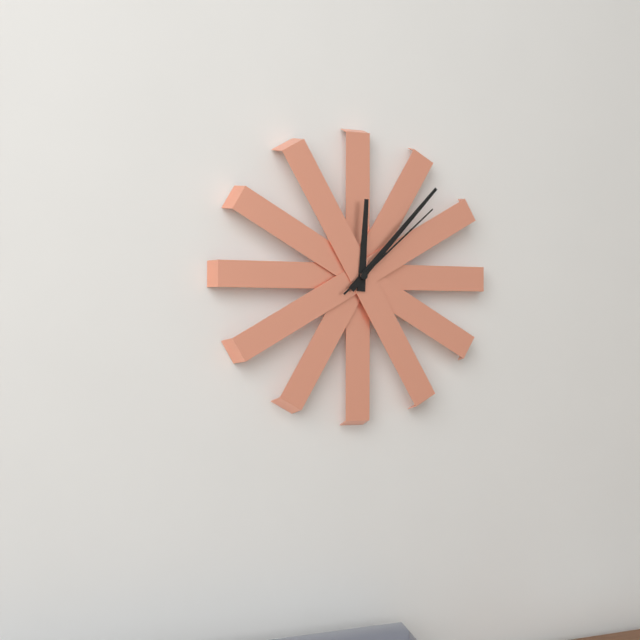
12:07:08
